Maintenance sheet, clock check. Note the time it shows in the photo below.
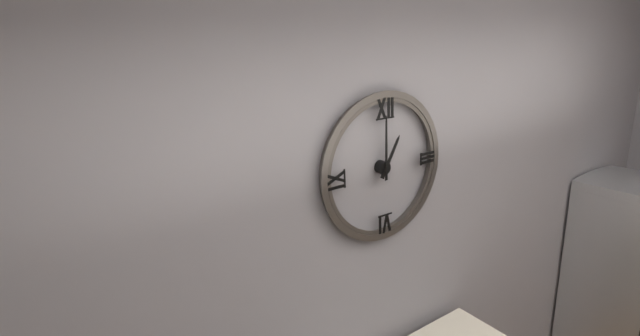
1:00
